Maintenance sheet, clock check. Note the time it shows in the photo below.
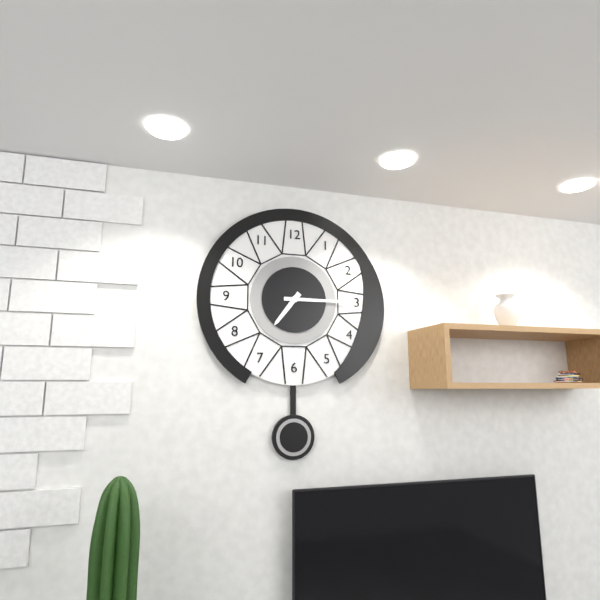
7:15
